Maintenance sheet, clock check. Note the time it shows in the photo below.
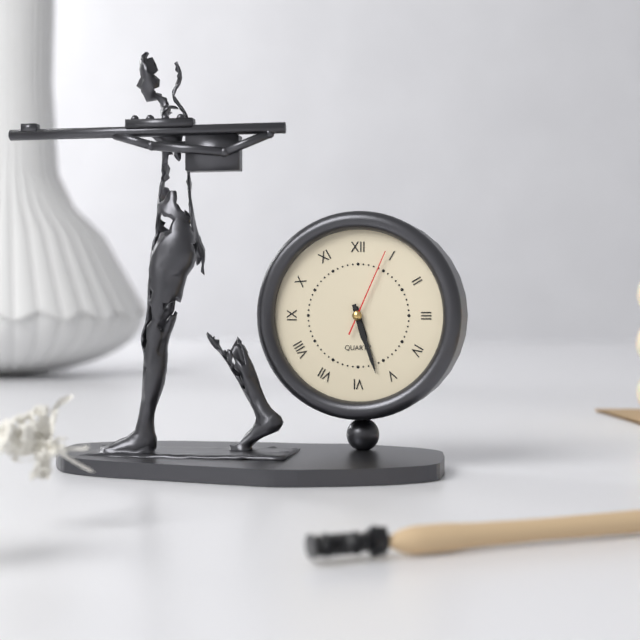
5:27:04
